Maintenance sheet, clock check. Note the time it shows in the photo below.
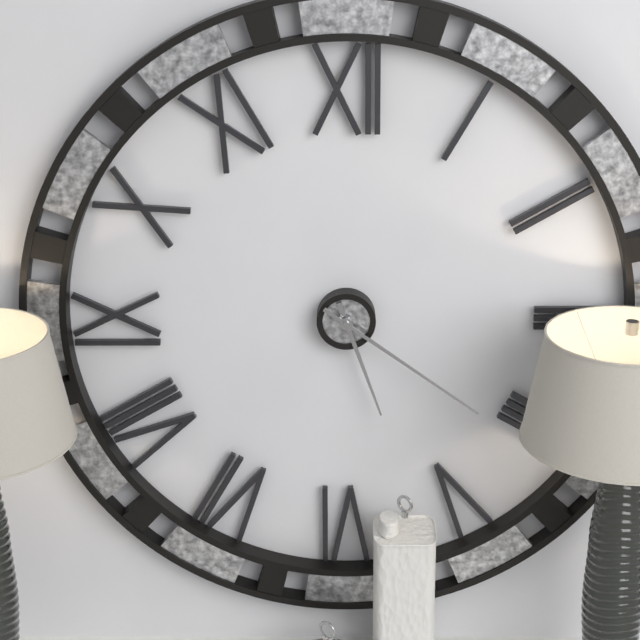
5:21
